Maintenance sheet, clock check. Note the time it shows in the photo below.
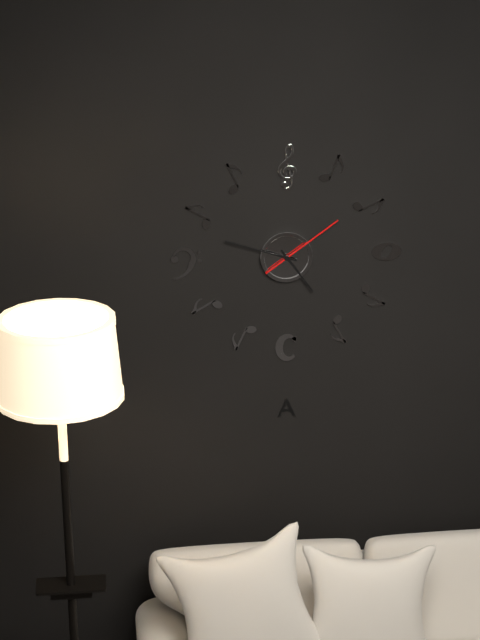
4:48:09
